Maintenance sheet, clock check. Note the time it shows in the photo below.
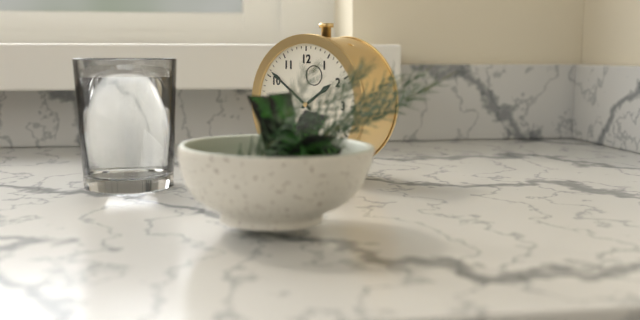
1:51
